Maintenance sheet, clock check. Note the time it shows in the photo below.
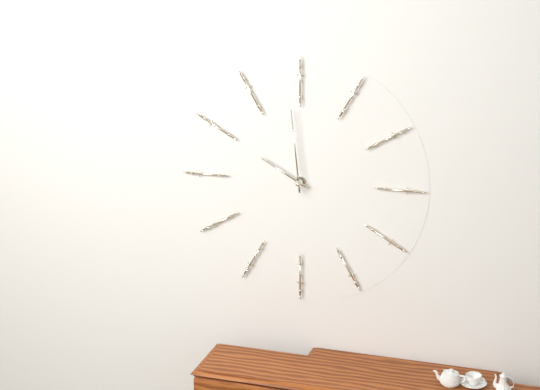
9:59
